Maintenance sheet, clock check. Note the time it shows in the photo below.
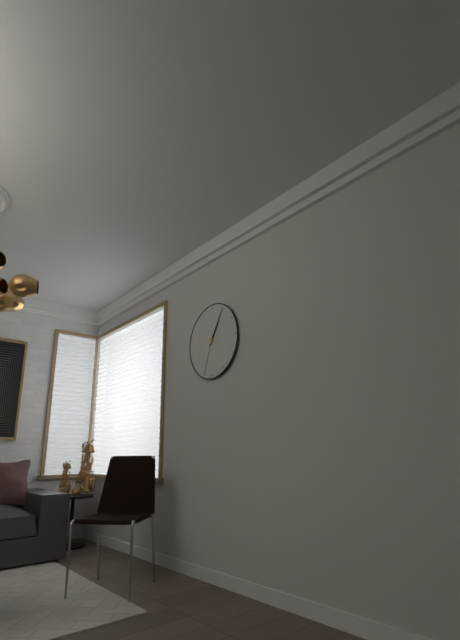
1:05
